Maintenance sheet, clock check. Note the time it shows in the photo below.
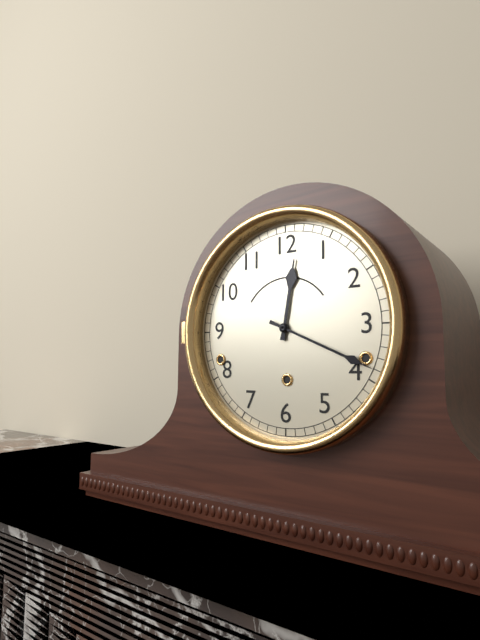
12:19
